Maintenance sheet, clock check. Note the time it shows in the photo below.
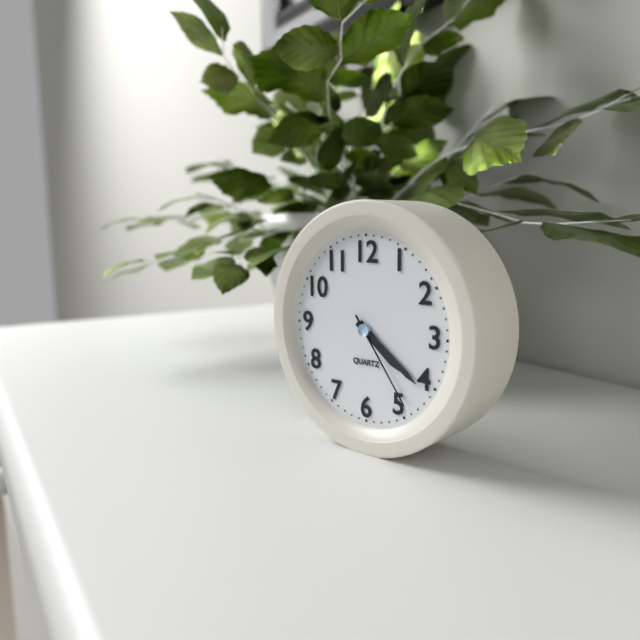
4:21:24
